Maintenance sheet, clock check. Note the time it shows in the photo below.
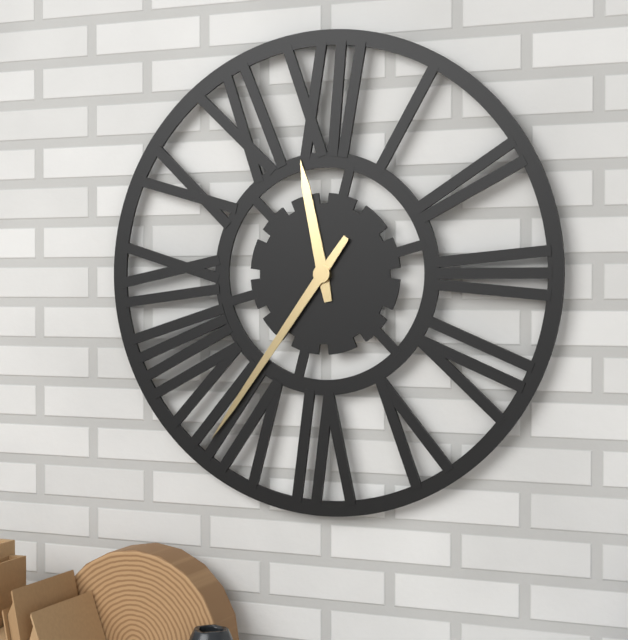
11:36
